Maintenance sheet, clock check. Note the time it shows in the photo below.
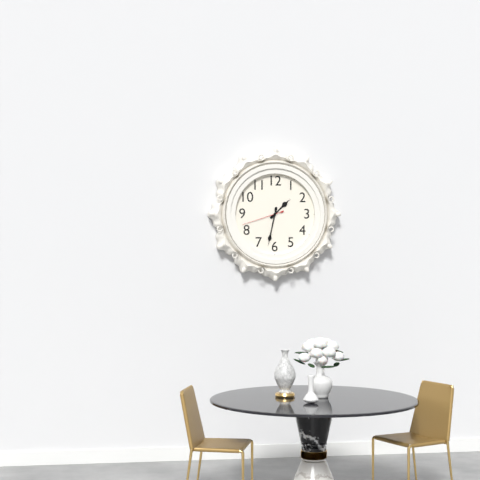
1:32
